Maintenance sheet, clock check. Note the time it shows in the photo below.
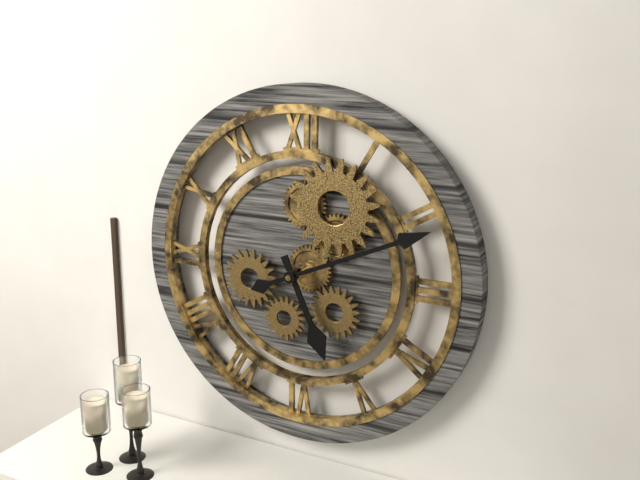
5:11
